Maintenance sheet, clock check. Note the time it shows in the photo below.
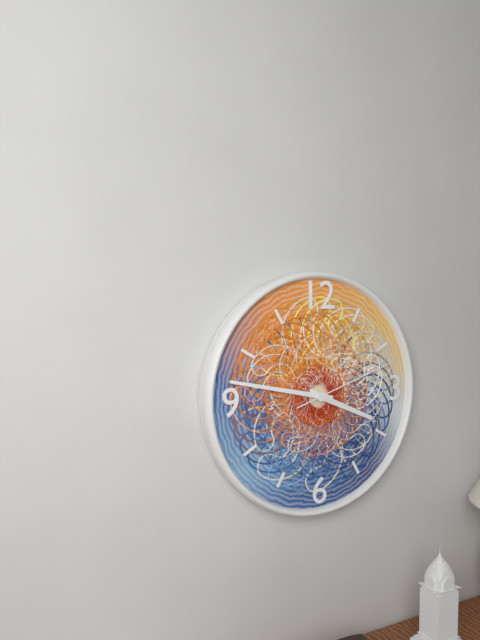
3:47:12
